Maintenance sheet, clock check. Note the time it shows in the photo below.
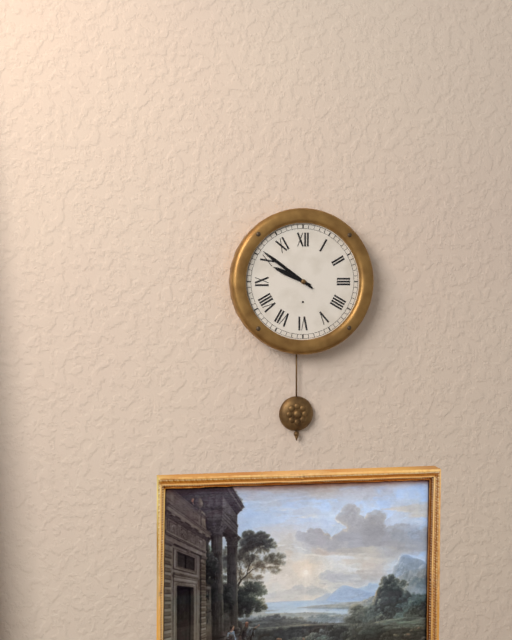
9:51
